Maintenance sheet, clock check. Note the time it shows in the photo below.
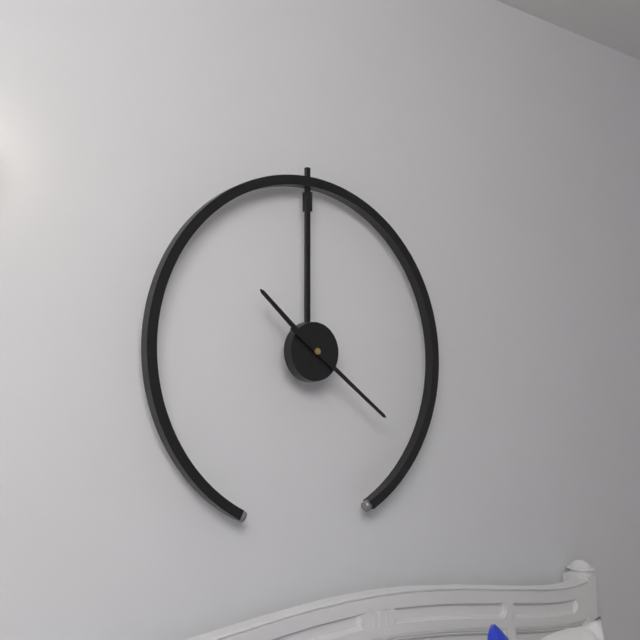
10:21
